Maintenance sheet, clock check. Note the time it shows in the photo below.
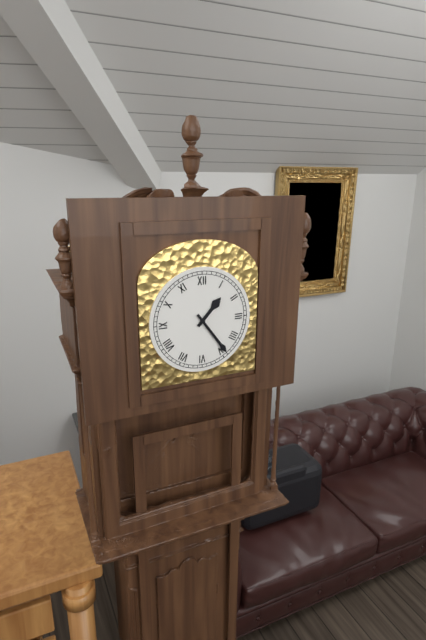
1:24
